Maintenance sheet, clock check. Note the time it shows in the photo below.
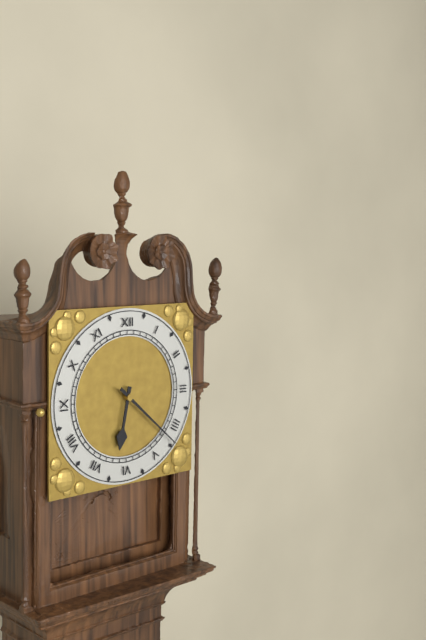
6:22
